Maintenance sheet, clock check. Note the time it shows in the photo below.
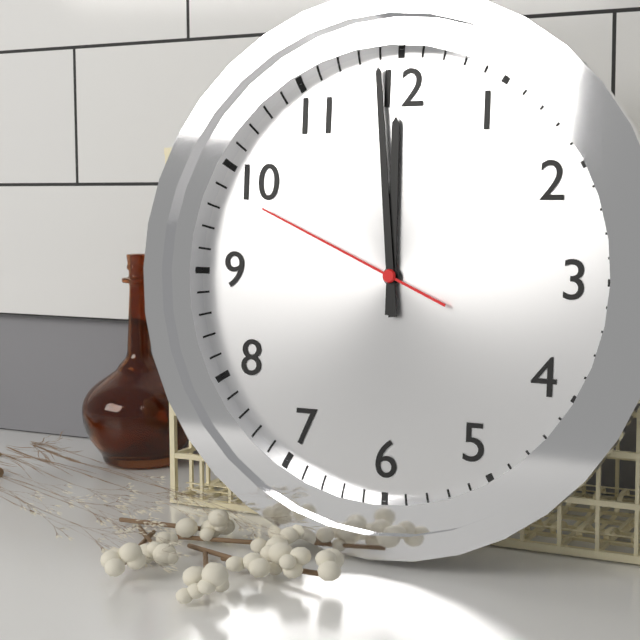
11:59:49
